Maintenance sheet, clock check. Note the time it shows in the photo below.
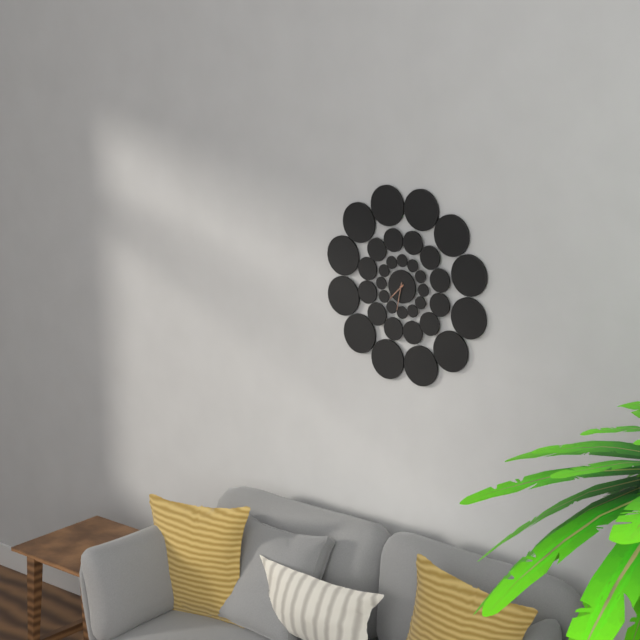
7:32
